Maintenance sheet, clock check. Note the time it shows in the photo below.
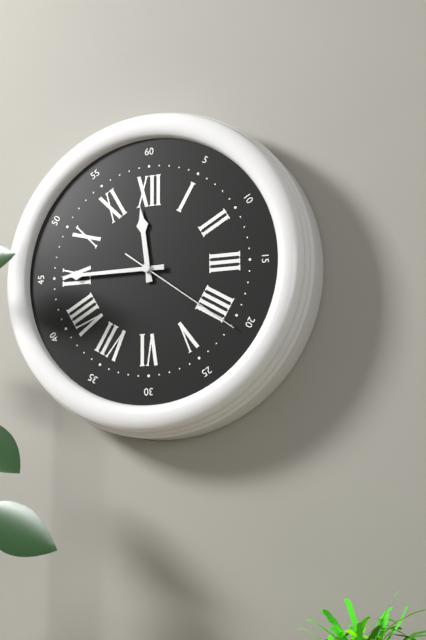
11:45:21
